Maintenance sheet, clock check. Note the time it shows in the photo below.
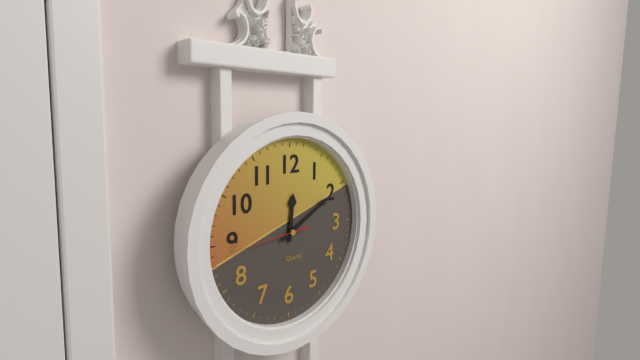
12:10:44
